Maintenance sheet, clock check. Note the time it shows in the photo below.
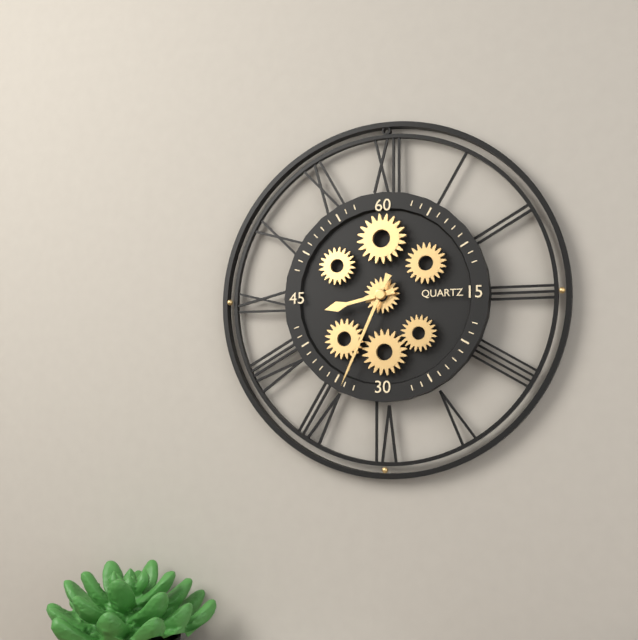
8:34
